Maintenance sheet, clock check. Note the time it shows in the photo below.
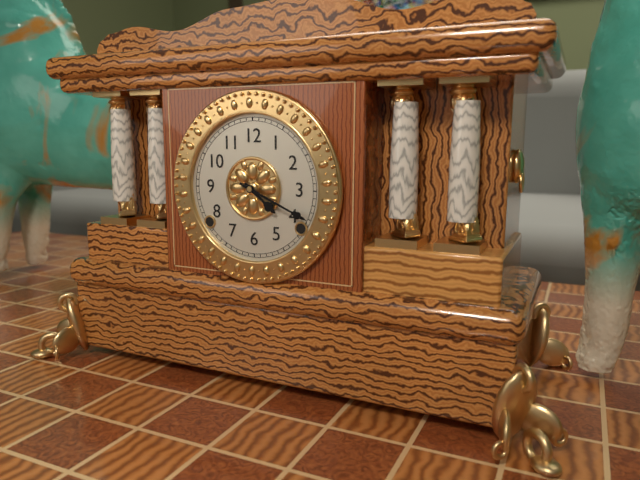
4:19
